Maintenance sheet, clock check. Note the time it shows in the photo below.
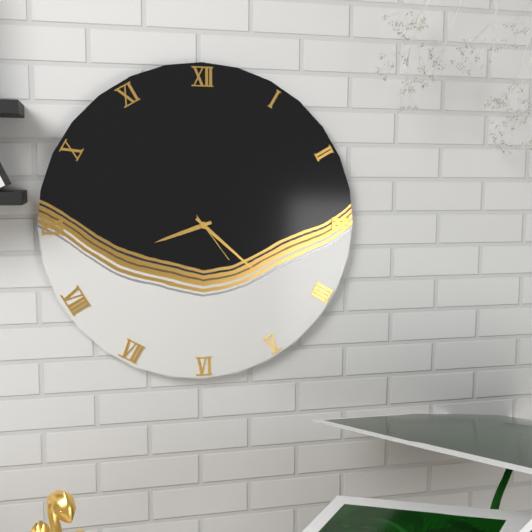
8:22:24
